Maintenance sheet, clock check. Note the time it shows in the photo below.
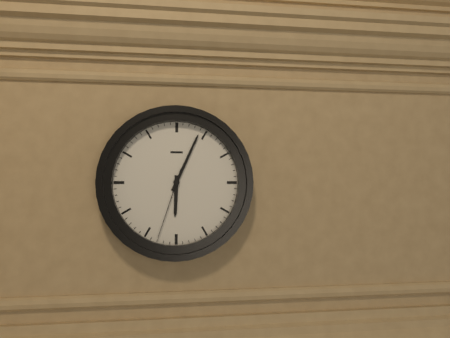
6:04:33
